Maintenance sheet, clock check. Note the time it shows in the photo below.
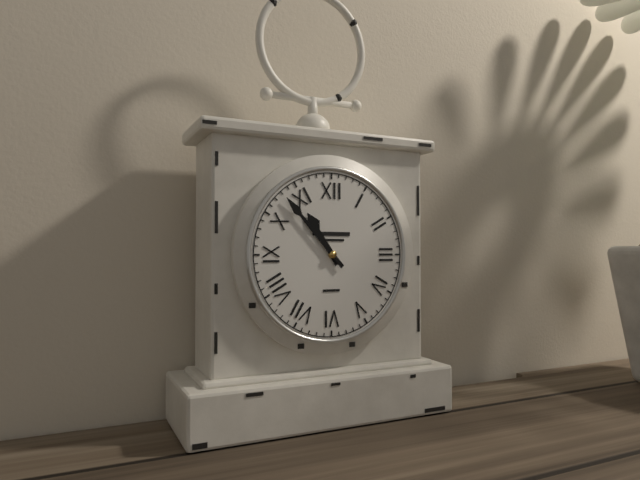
10:53
